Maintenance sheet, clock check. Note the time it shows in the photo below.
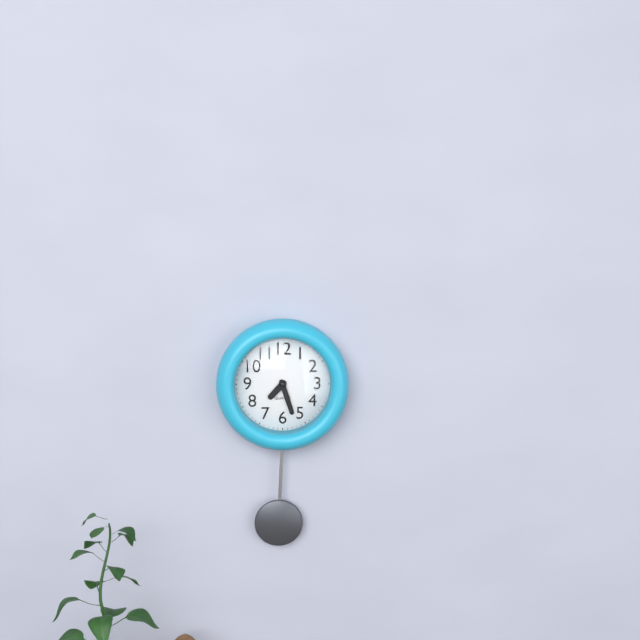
7:27
